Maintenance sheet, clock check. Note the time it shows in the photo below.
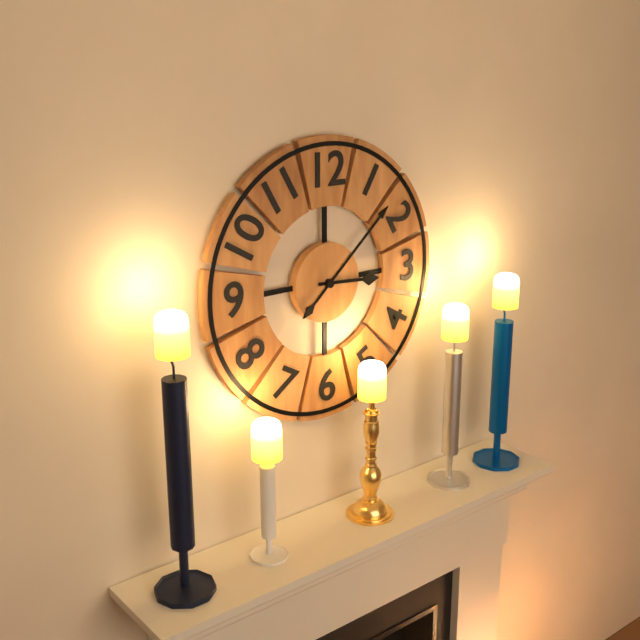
3:08
